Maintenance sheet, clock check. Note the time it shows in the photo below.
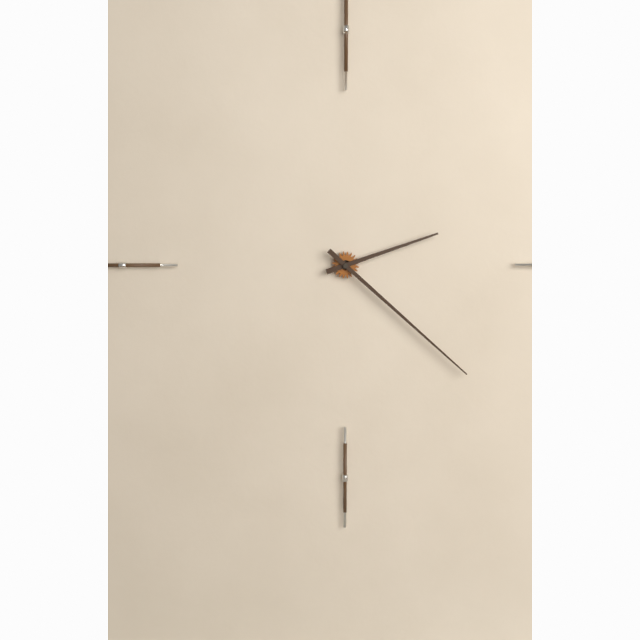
2:22
